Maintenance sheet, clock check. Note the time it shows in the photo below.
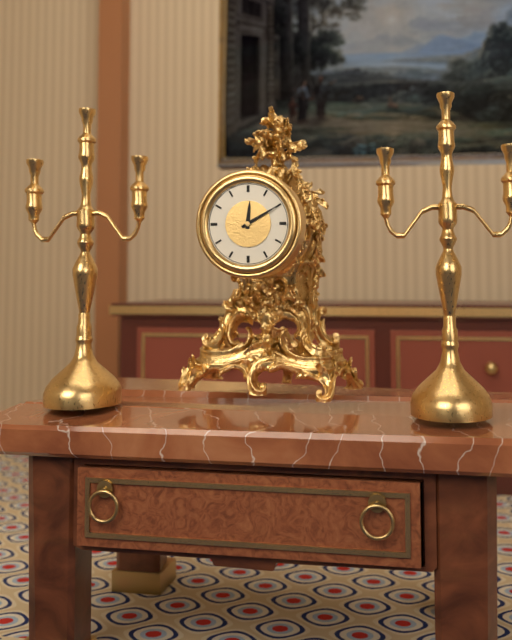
12:10
